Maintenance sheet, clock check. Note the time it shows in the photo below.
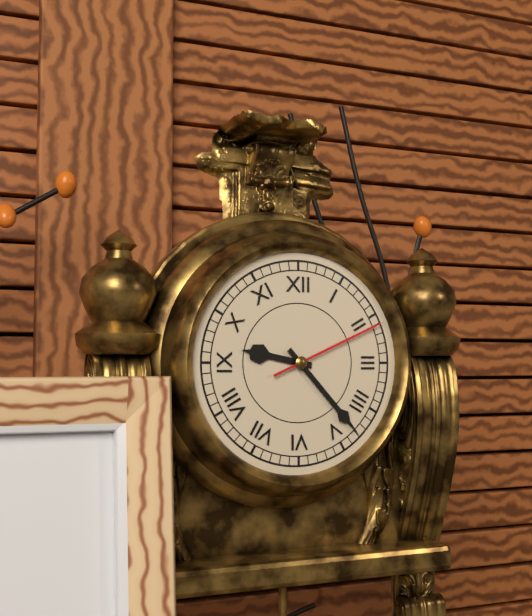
9:23:11
